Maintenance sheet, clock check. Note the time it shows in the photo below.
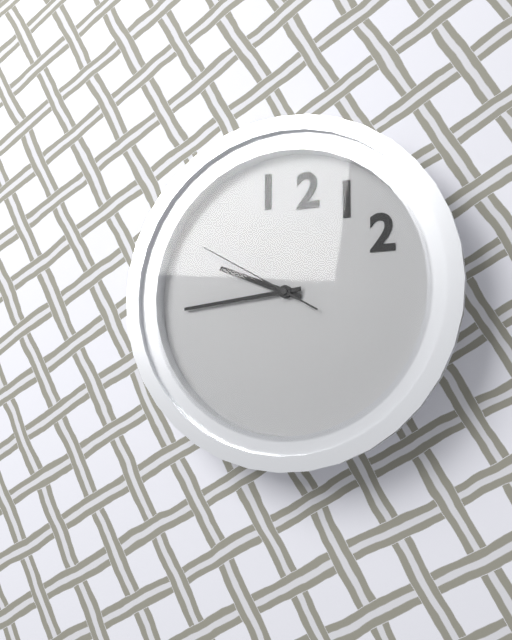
9:44:50
